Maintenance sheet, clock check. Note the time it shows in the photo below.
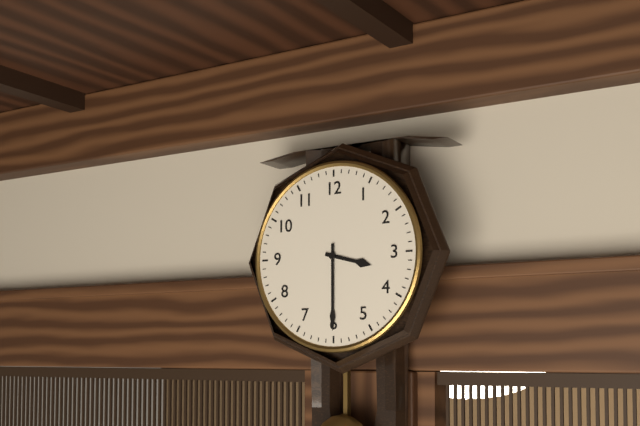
3:30
